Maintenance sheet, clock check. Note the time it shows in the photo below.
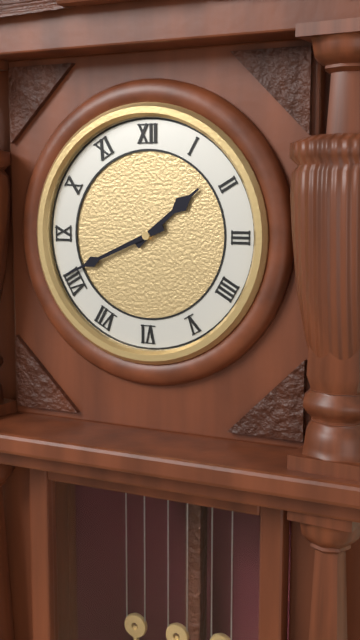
1:41
